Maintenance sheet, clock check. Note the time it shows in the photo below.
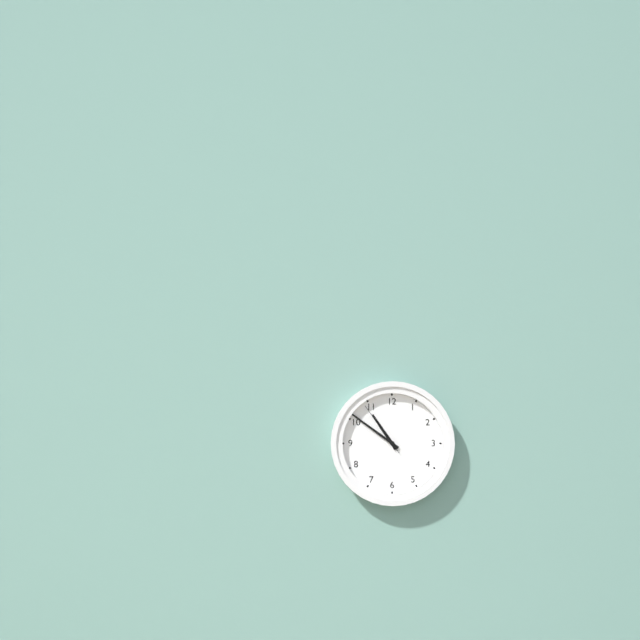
10:51:54
